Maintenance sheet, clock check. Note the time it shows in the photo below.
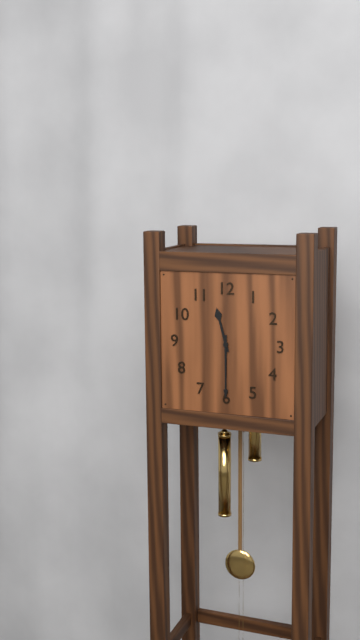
11:30
